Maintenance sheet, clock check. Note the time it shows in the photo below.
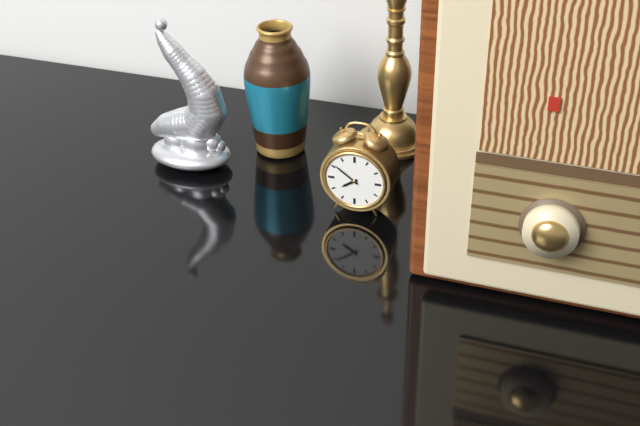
7:51
